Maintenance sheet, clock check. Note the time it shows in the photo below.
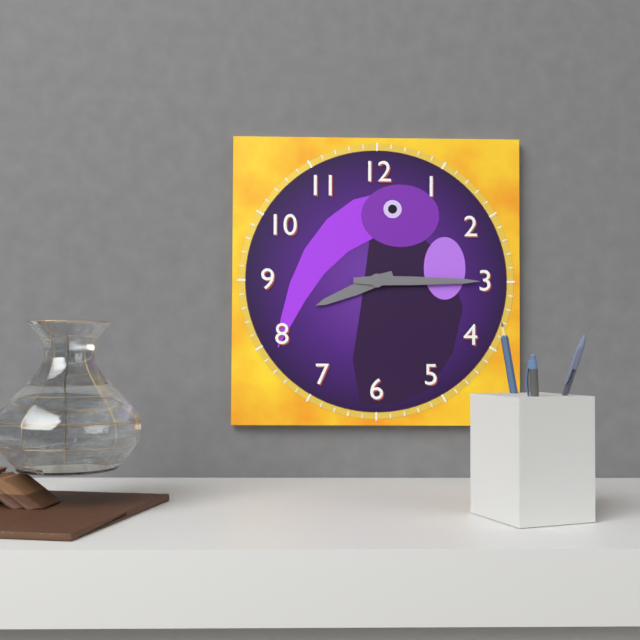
8:15
